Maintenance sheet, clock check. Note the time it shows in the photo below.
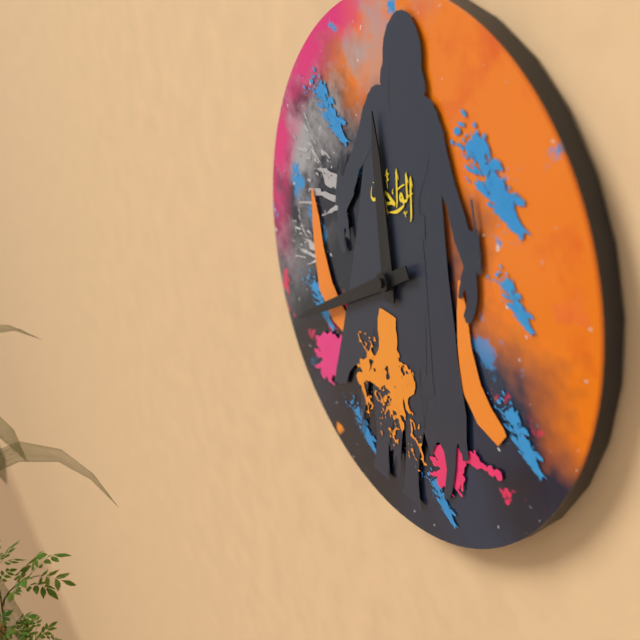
11:40
